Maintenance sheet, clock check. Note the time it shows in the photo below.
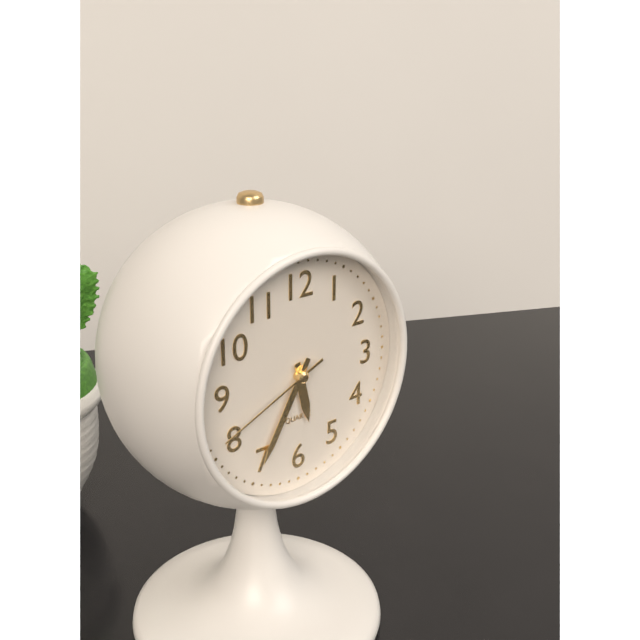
5:35:41
